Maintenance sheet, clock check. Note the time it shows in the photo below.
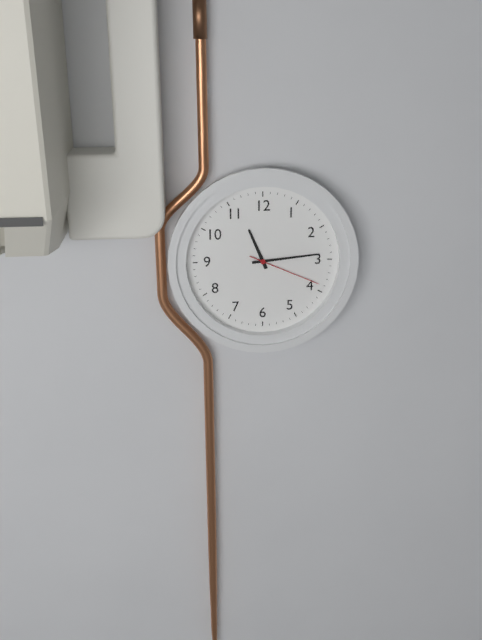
11:14:19
